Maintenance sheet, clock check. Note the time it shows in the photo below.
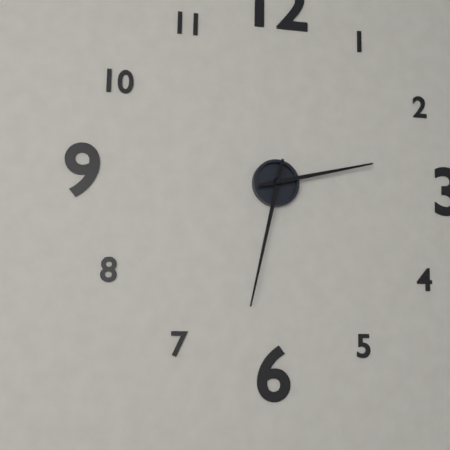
2:32
